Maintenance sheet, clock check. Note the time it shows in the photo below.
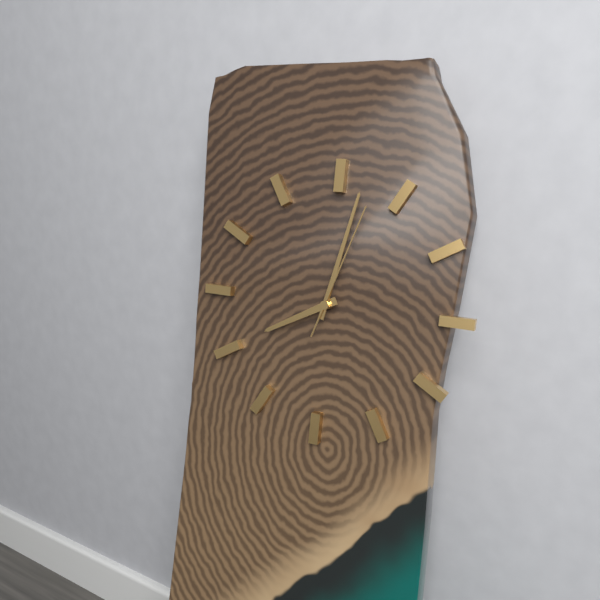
8:02:03
